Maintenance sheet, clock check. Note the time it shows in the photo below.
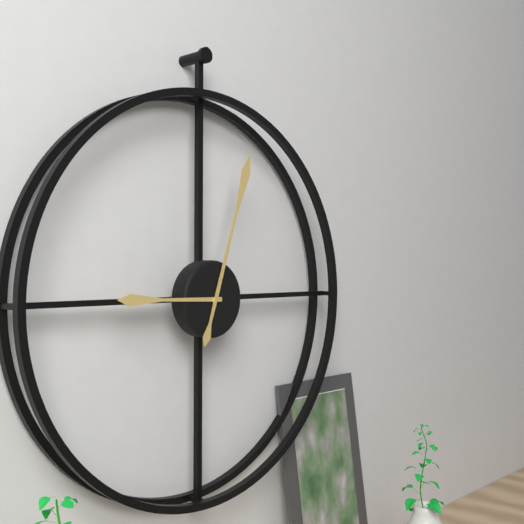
9:03
